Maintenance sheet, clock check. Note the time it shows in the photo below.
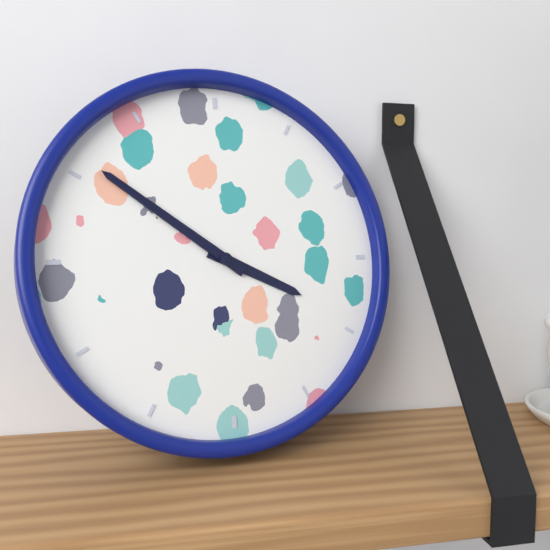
3:51
